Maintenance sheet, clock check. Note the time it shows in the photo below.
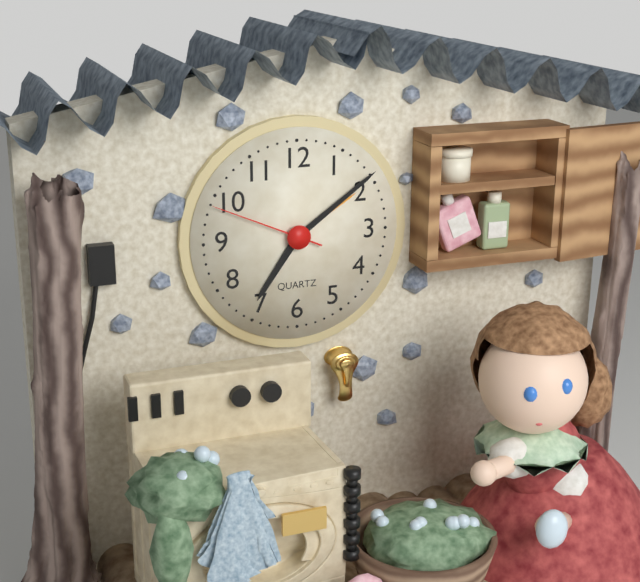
7:09:49
